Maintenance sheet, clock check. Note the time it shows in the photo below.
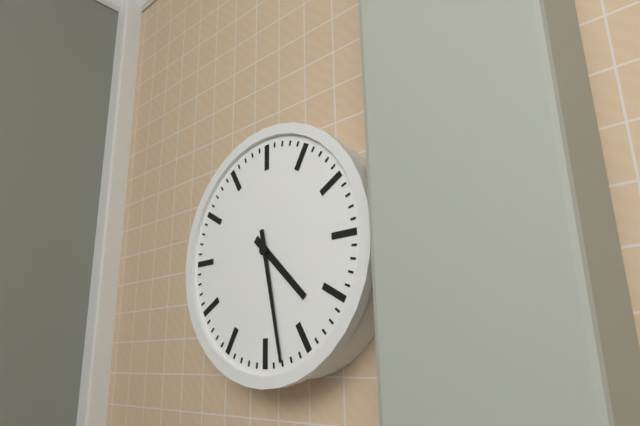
4:28
